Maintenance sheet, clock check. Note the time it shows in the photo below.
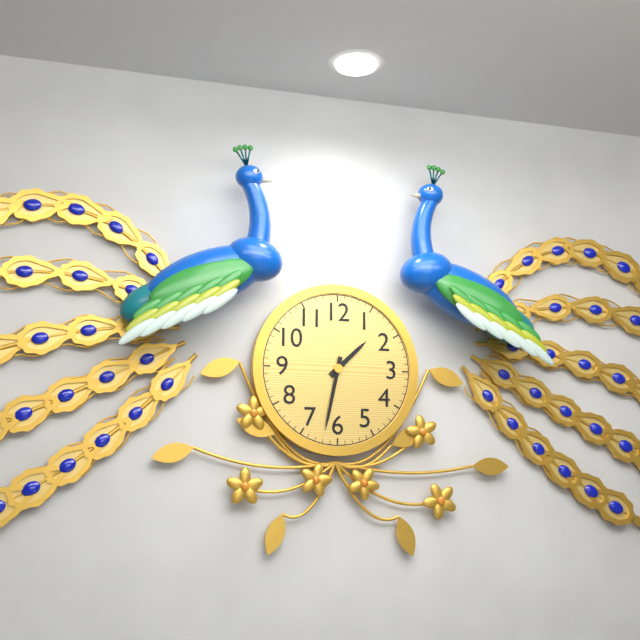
1:32
